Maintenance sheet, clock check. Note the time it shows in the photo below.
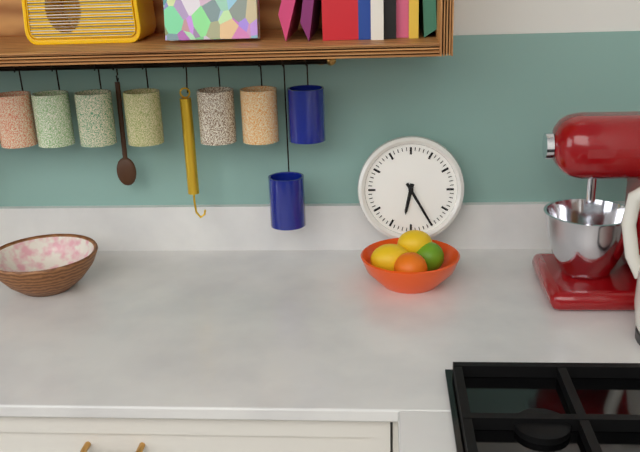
6:25
